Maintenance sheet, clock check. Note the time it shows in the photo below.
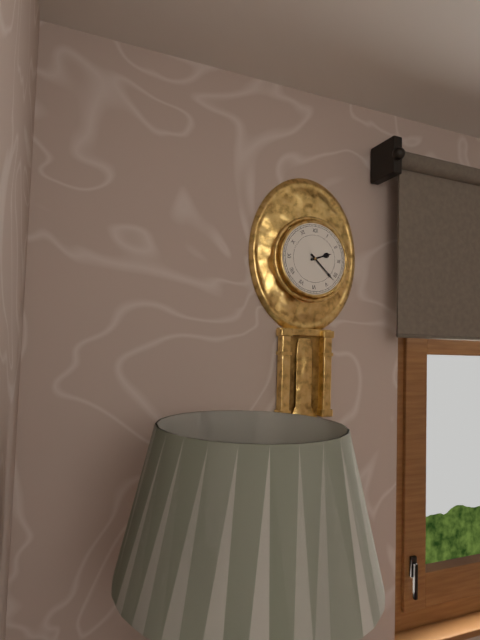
2:22
